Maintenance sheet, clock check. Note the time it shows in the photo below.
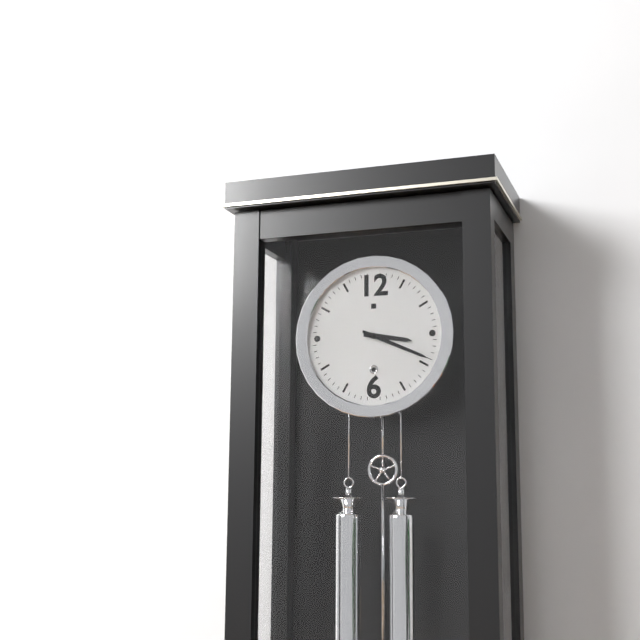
3:19
